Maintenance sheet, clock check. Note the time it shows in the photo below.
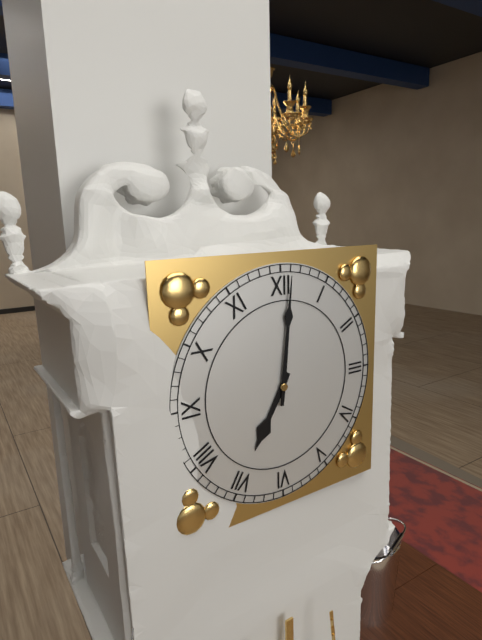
7:01
